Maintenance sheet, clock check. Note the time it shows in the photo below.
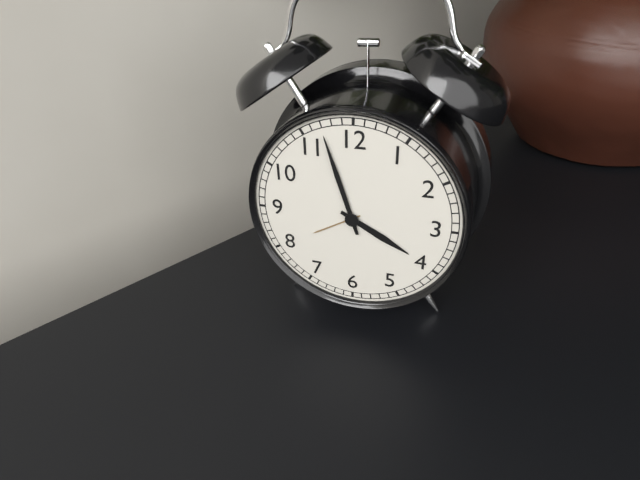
3:57
